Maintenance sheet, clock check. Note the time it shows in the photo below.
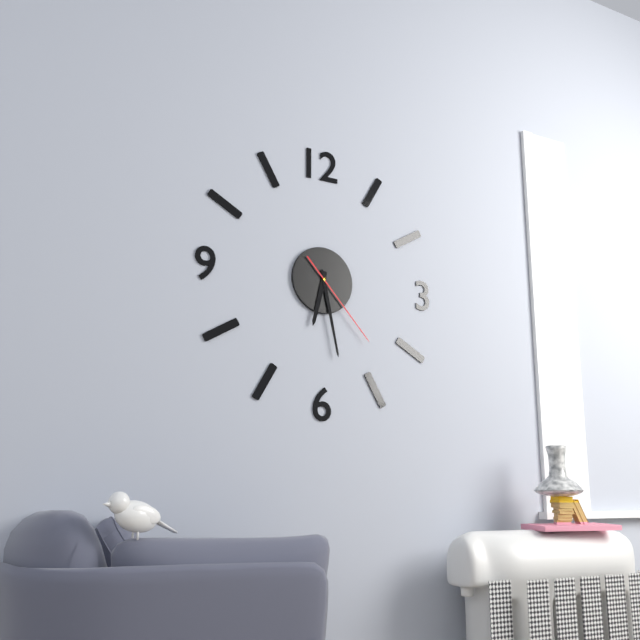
6:28:23
